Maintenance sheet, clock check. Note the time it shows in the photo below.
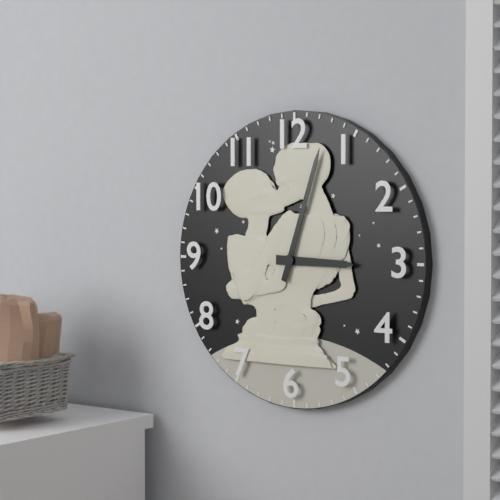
3:03
